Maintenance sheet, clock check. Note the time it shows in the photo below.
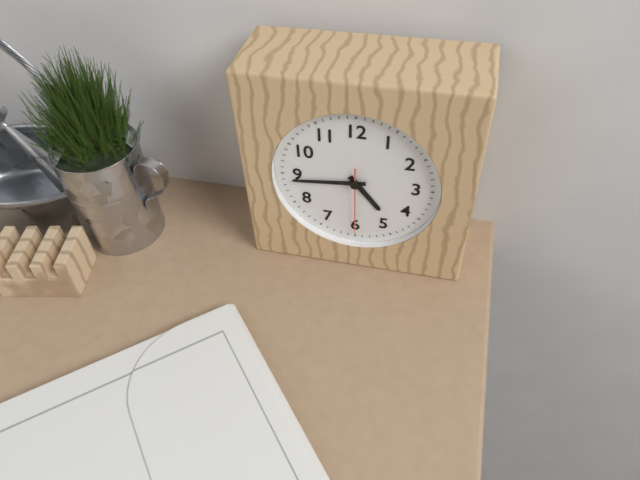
4:44:30
